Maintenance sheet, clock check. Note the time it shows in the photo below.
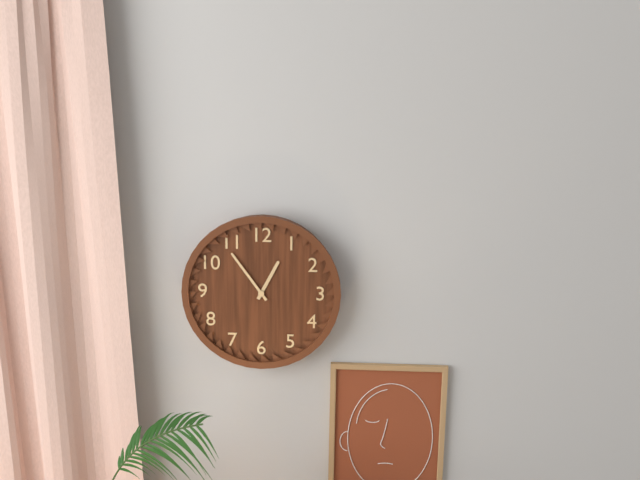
12:54
